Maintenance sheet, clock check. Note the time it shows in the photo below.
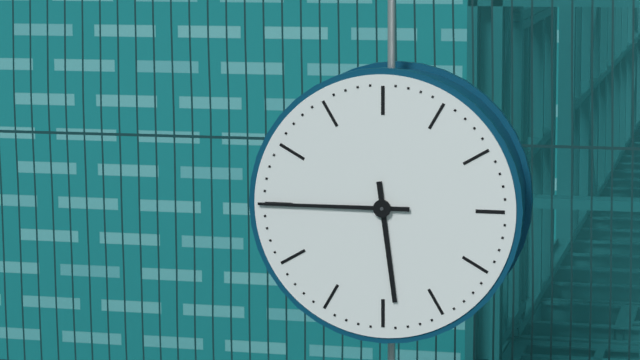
5:45
